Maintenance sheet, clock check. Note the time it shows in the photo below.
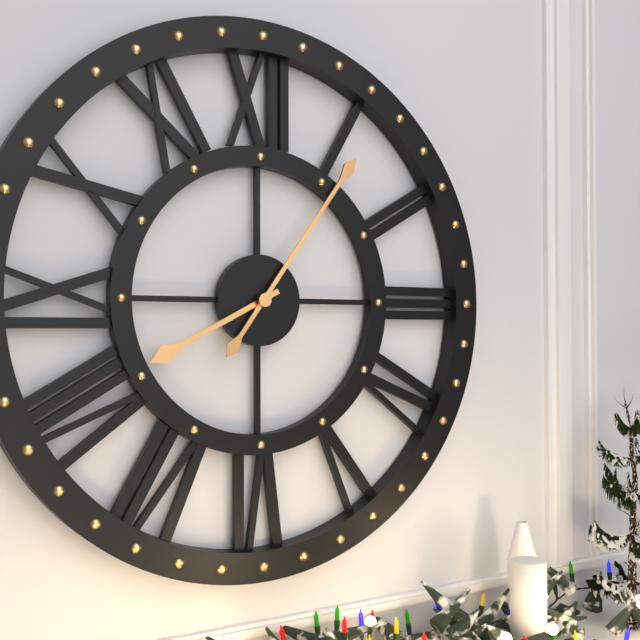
8:06
